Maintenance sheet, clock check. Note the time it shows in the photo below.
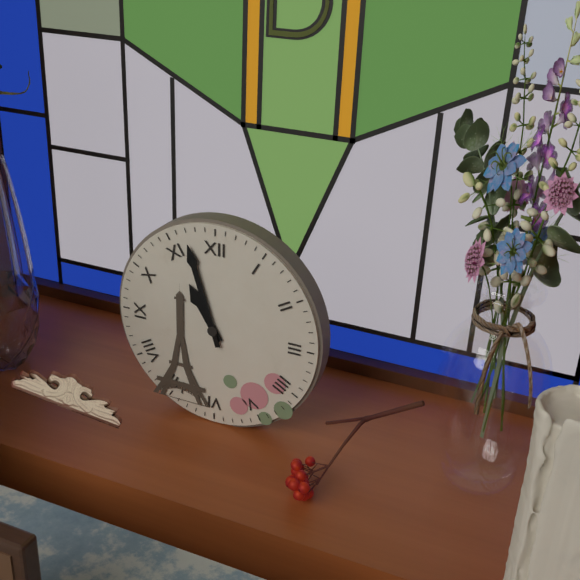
10:57
